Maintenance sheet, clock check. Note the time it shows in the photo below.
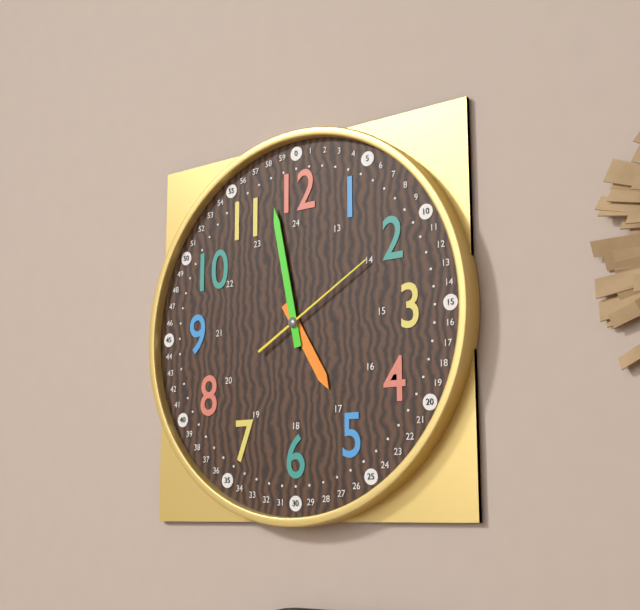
4:58:10
